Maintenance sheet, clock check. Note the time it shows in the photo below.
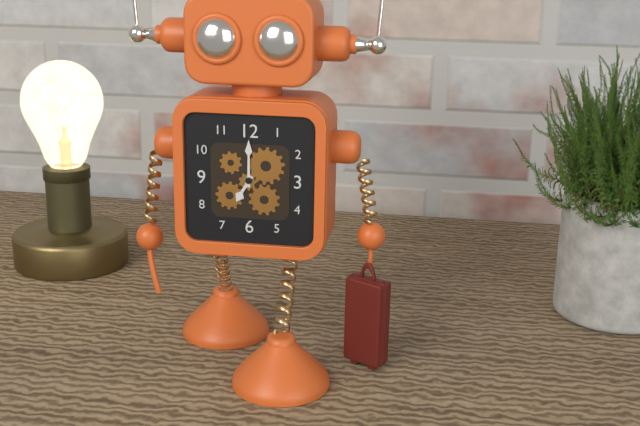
7:00
